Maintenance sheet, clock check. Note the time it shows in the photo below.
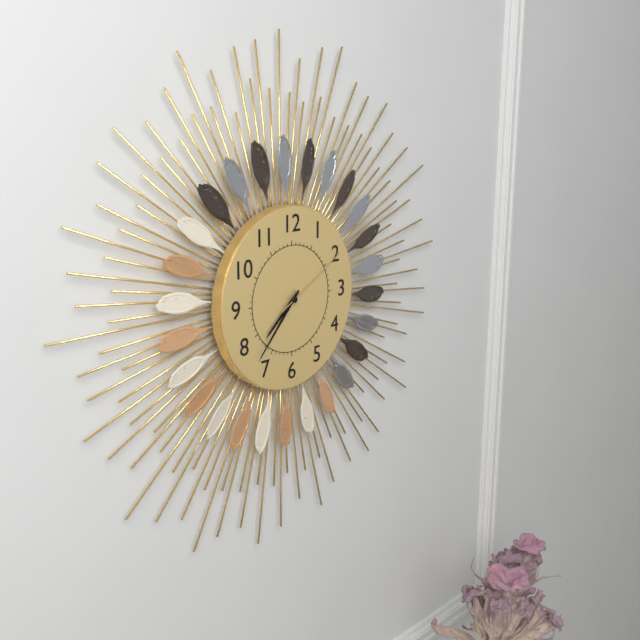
7:37:10
